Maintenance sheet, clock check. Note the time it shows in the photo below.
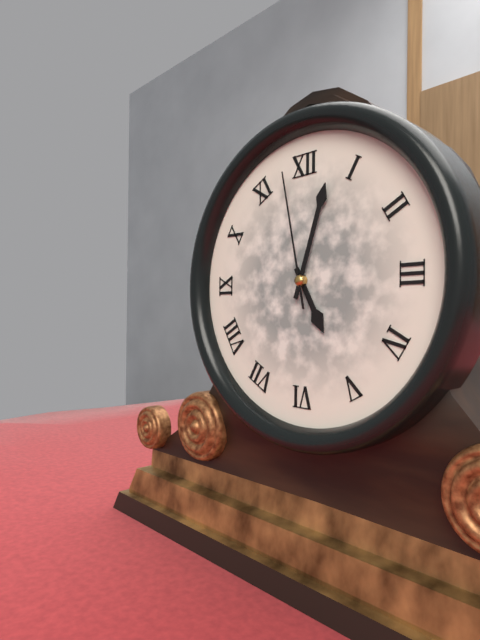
5:03:58
